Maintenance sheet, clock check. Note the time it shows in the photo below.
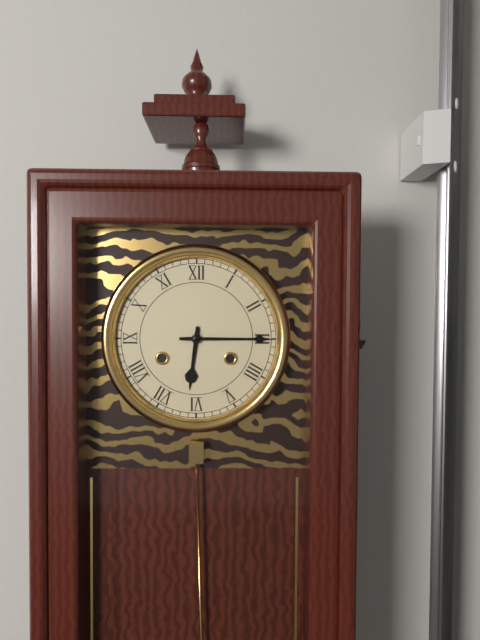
6:15
